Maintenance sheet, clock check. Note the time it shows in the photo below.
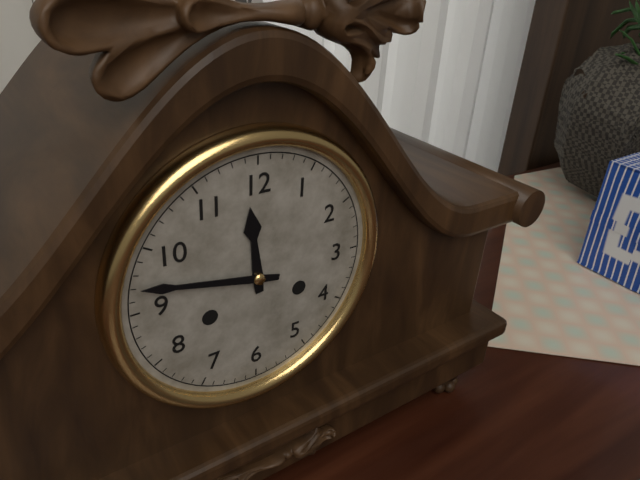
11:47
